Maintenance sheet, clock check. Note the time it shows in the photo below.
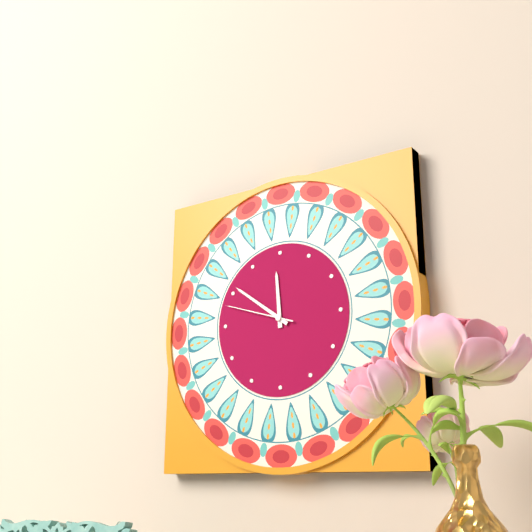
11:51:48
